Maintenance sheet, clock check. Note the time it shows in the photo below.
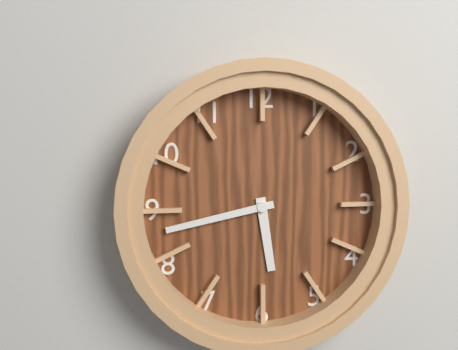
5:43
